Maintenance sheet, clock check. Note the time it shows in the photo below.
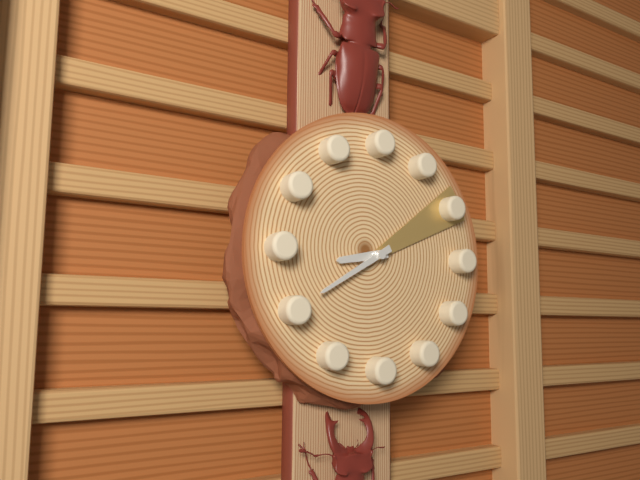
8:40:10
